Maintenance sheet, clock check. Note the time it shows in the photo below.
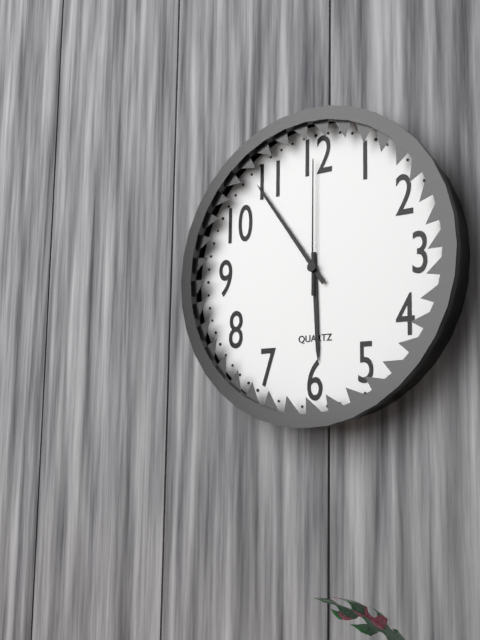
5:54:00
